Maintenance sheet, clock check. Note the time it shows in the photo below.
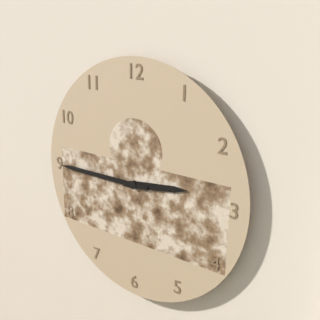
2:45
